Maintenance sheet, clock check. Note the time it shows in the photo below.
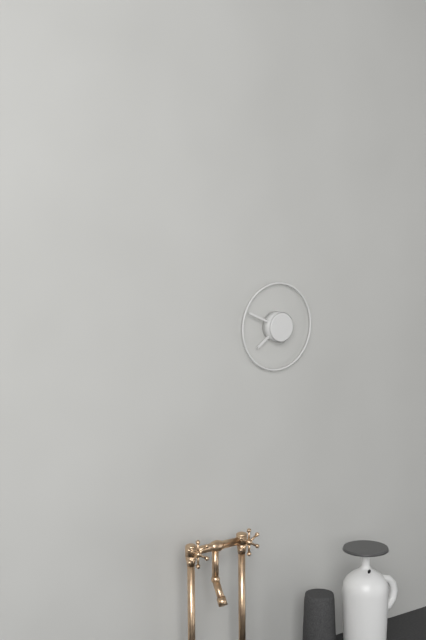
7:49
